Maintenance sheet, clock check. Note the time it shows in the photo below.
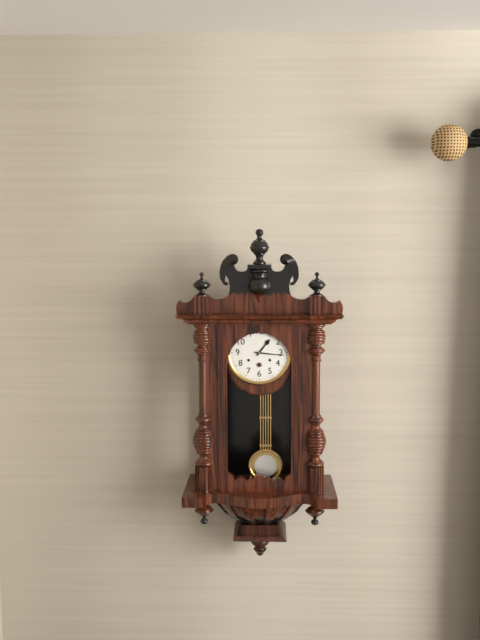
1:16
